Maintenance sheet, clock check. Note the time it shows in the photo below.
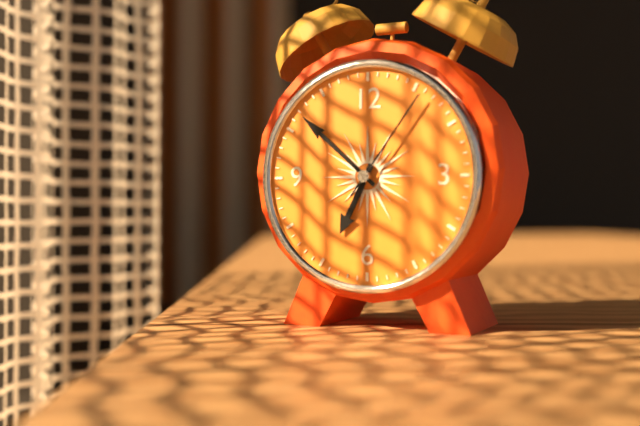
6:52:06
